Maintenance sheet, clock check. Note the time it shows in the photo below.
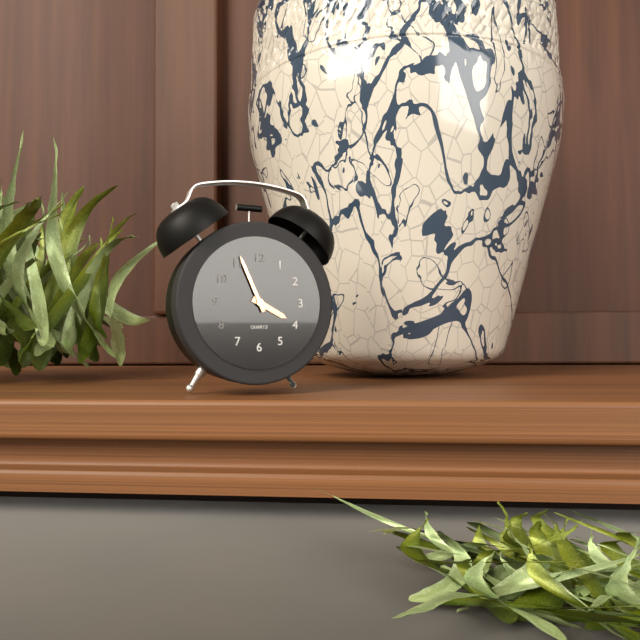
3:56
